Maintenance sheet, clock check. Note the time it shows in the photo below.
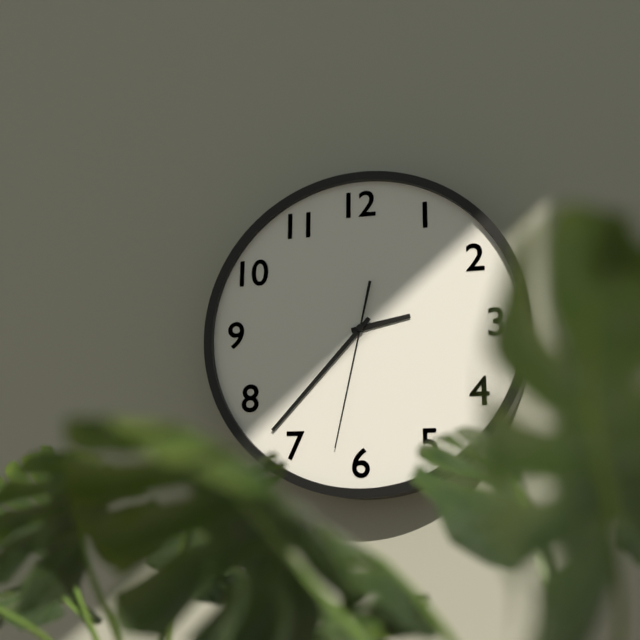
2:37:32
